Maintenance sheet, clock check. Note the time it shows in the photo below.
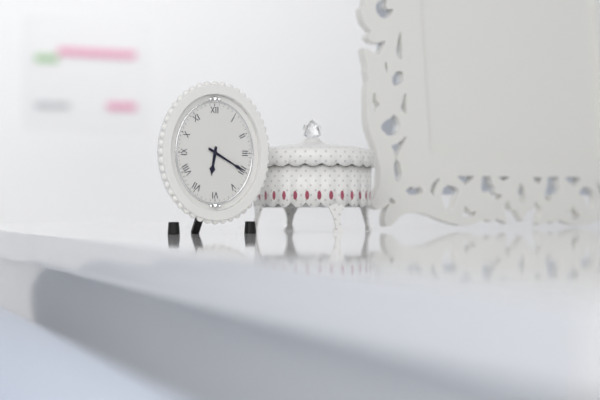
6:20
